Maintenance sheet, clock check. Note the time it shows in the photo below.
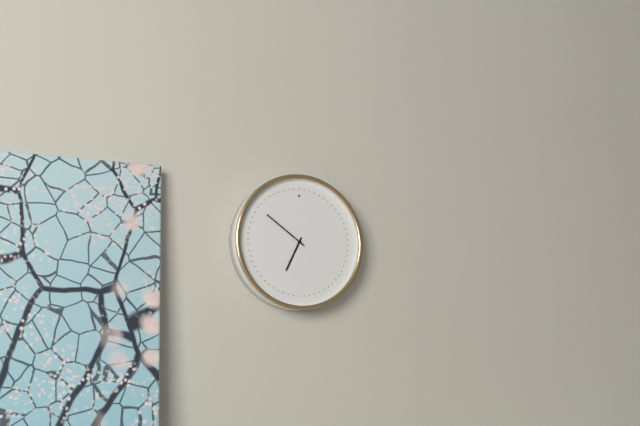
6:51
